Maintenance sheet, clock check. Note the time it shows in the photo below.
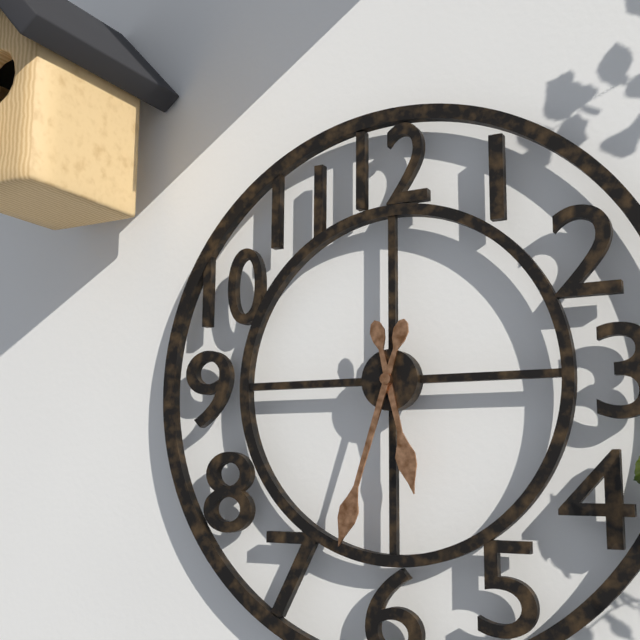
5:33
